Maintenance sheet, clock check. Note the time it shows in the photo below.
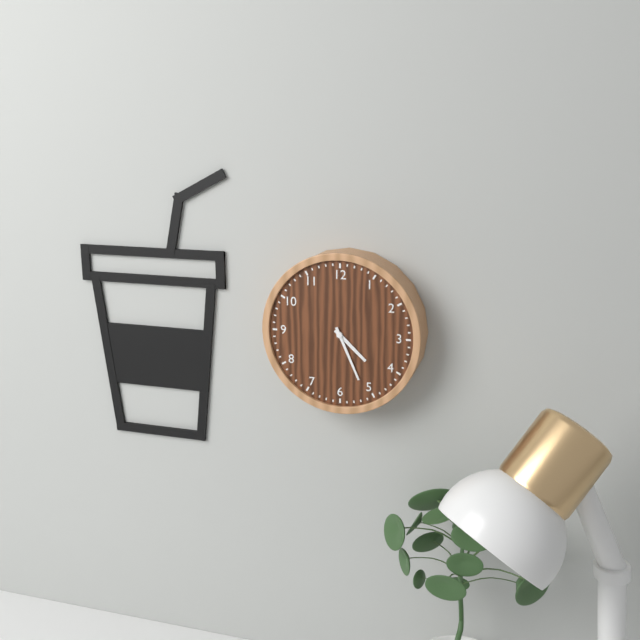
4:26
